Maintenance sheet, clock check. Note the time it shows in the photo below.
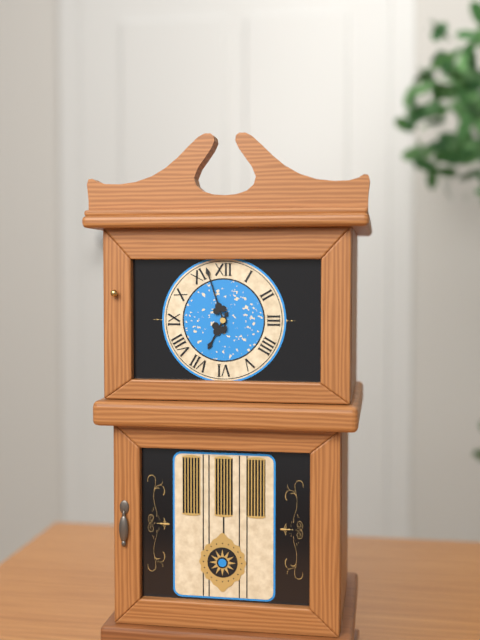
6:57
